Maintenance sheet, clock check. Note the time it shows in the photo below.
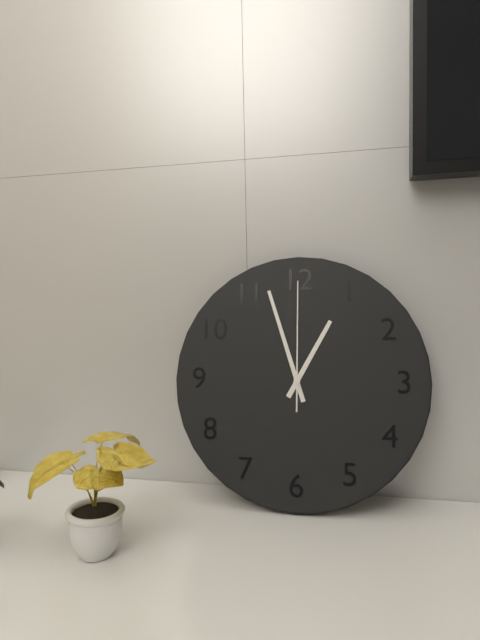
12:57:00
